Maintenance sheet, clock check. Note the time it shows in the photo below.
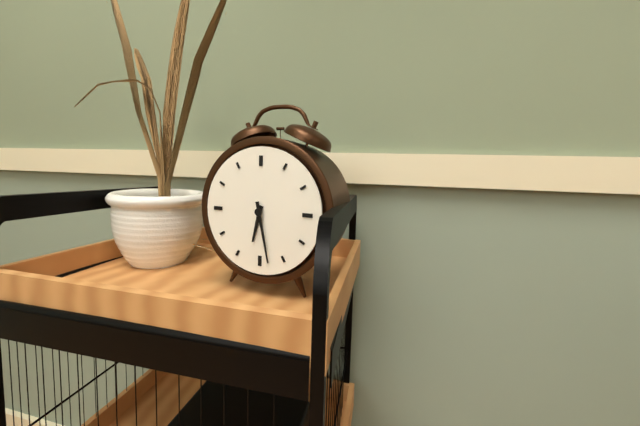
6:28
